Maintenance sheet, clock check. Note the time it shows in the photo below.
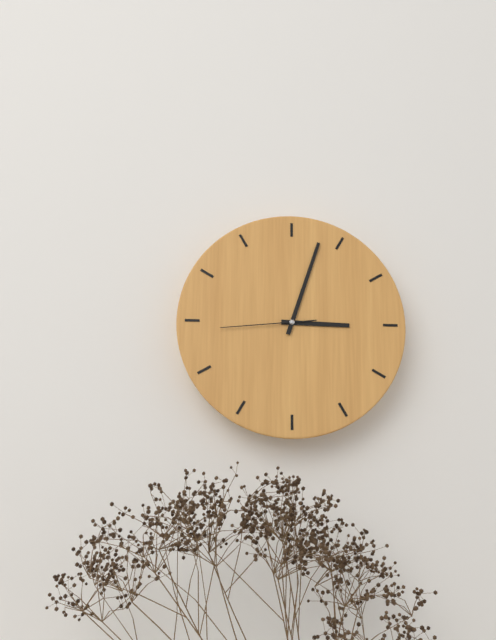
3:03:44
